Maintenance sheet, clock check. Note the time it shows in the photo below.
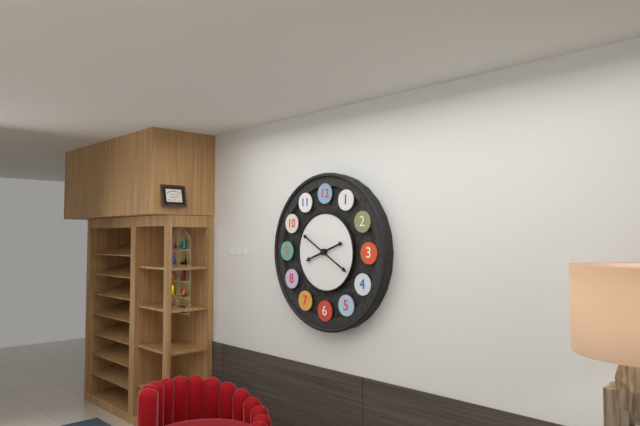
8:20
